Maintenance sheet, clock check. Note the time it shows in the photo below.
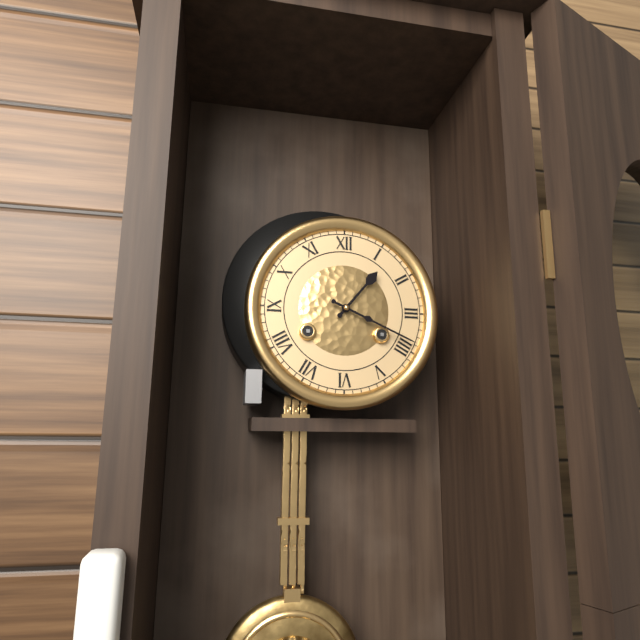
1:19
